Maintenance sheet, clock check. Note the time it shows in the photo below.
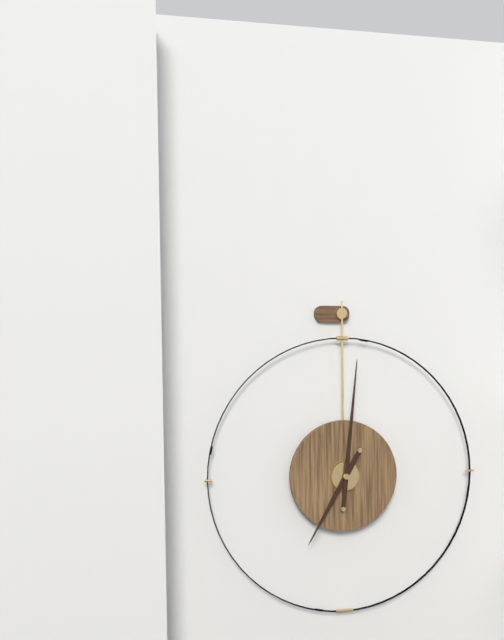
7:01
